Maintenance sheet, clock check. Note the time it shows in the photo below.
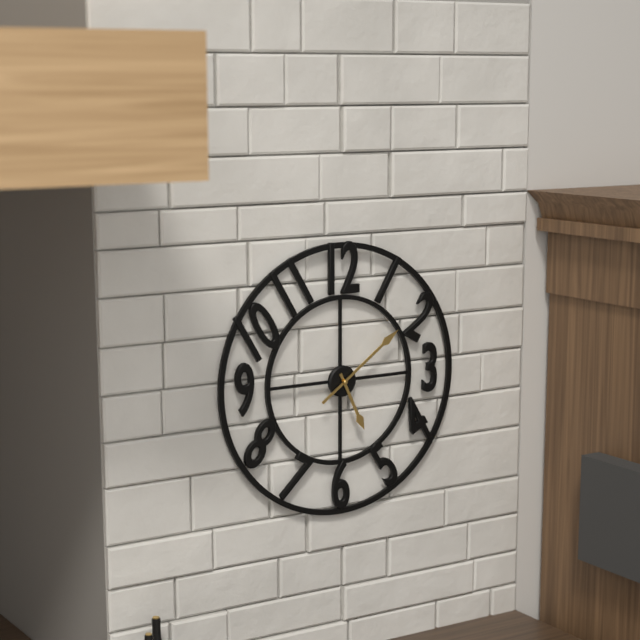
5:09
